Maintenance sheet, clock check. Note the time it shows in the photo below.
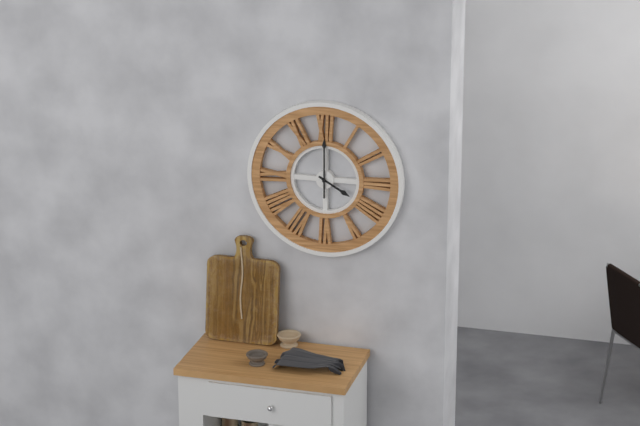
4:00
